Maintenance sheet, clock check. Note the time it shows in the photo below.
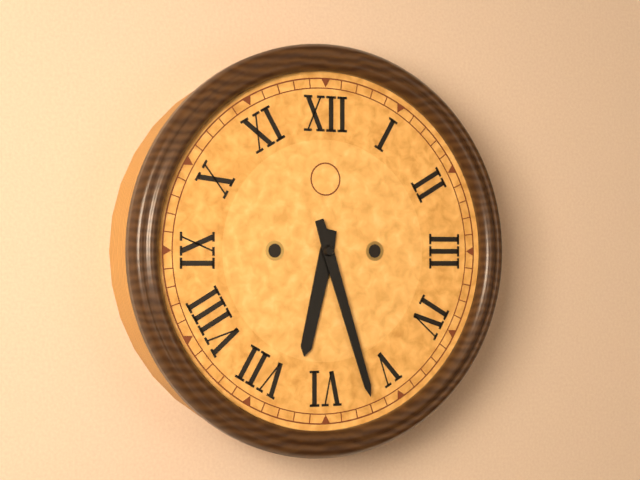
6:27
